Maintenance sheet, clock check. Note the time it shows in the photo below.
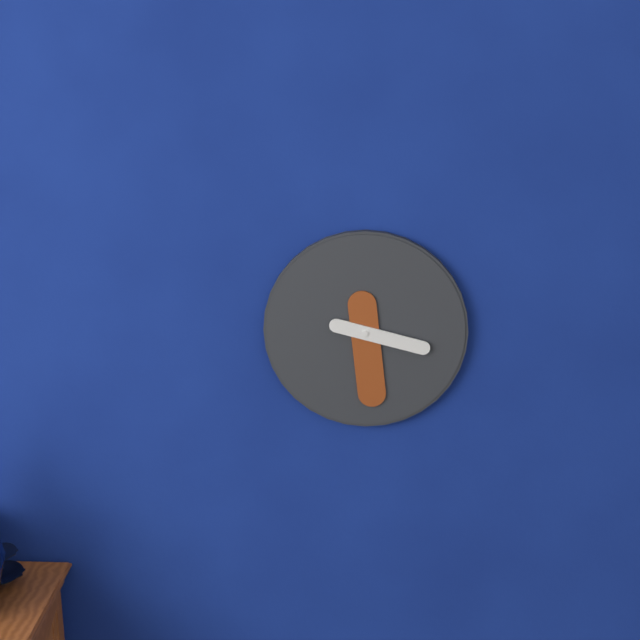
3:29
